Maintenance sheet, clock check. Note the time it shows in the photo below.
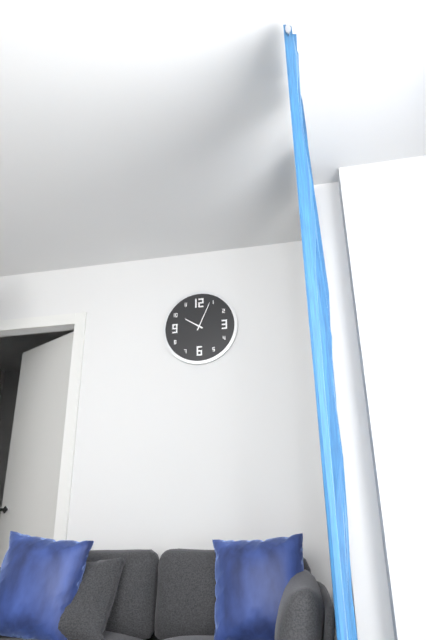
10:04
